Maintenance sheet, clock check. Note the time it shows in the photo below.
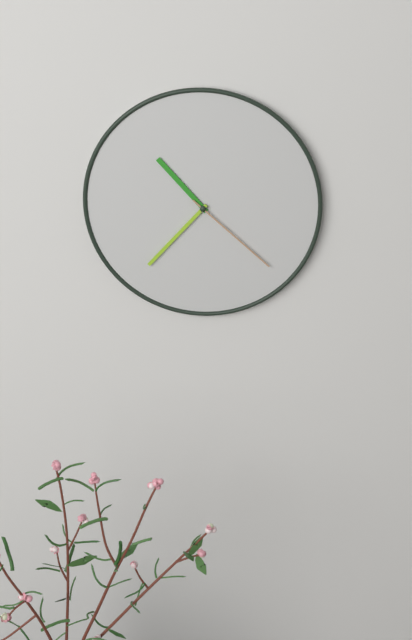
10:37:22
